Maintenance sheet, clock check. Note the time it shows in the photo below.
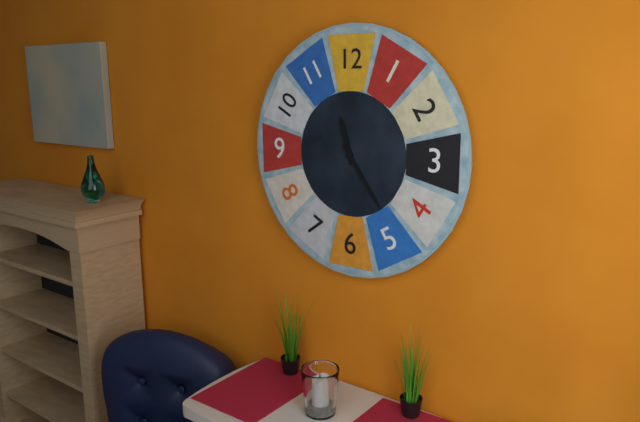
11:24
